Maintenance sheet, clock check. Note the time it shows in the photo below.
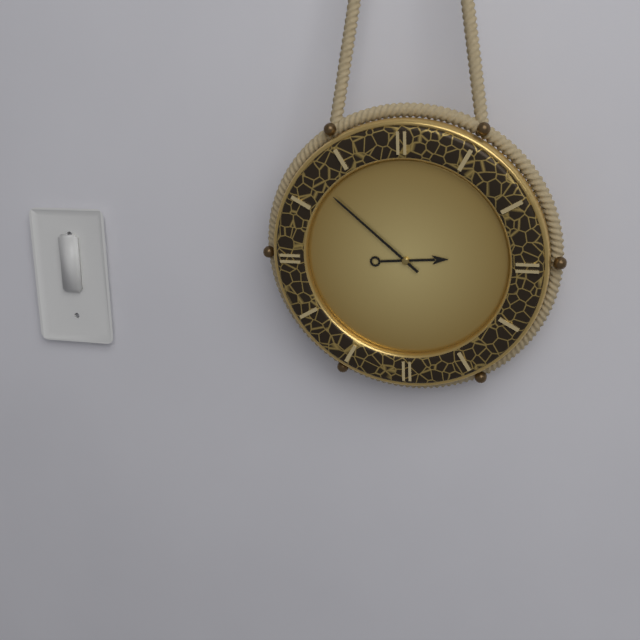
2:52
